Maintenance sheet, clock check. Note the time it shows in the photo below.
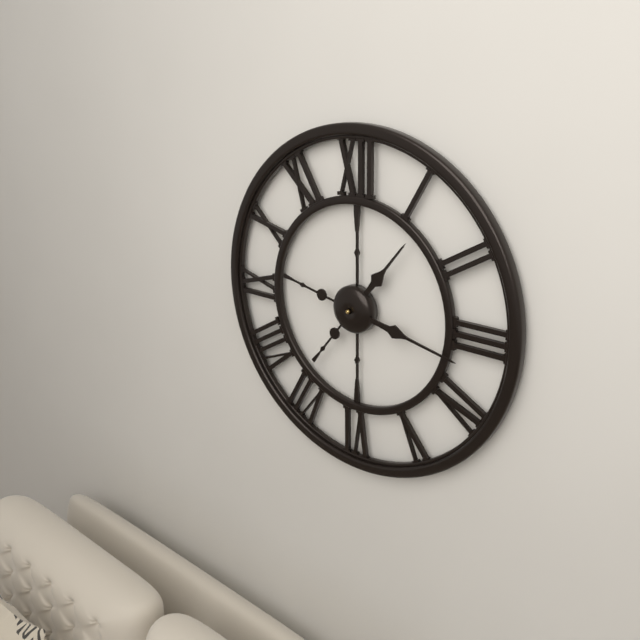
1:17
